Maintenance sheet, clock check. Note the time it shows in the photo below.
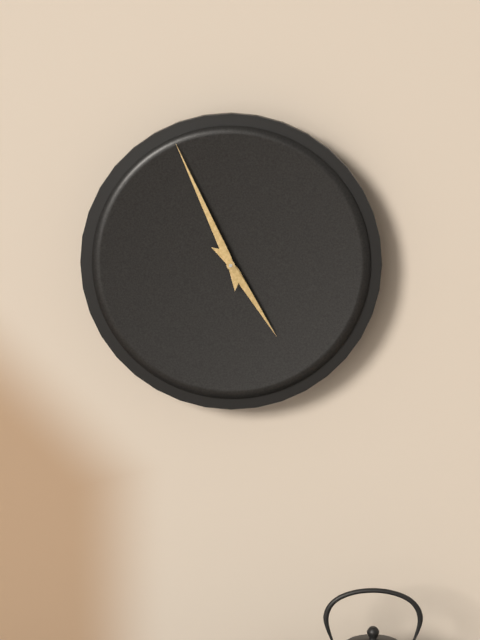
4:56
